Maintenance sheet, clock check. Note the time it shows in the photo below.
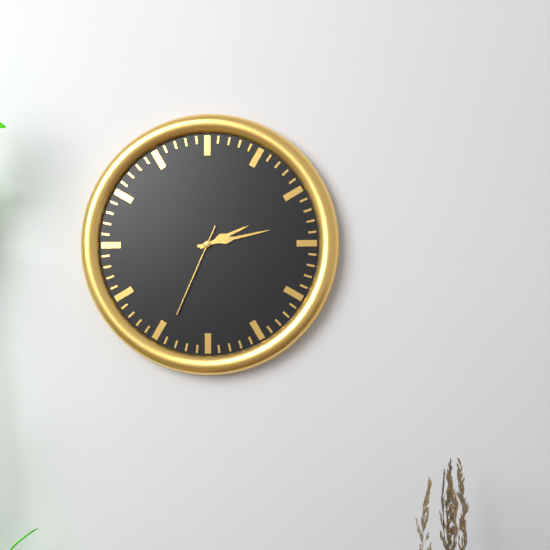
2:13:34
